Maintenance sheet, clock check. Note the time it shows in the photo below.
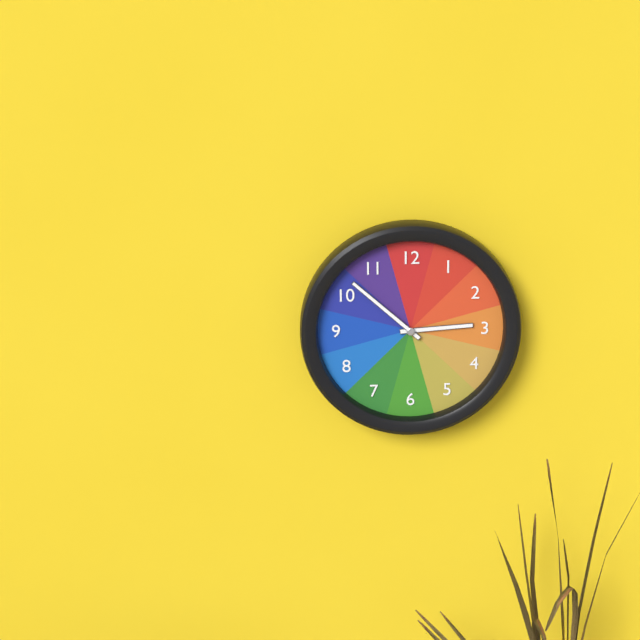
2:52
